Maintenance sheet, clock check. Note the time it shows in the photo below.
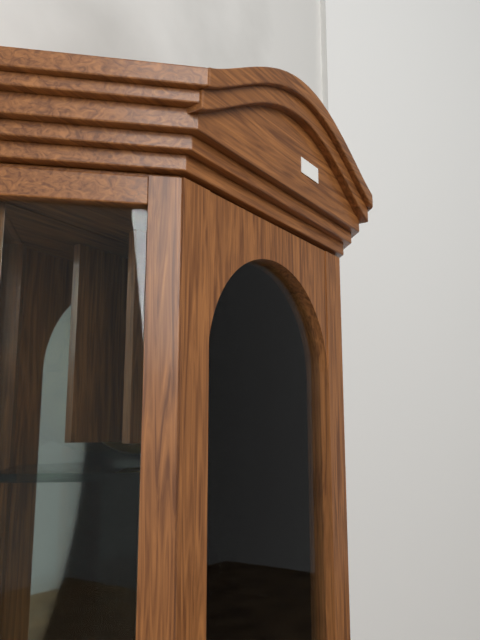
7:19
